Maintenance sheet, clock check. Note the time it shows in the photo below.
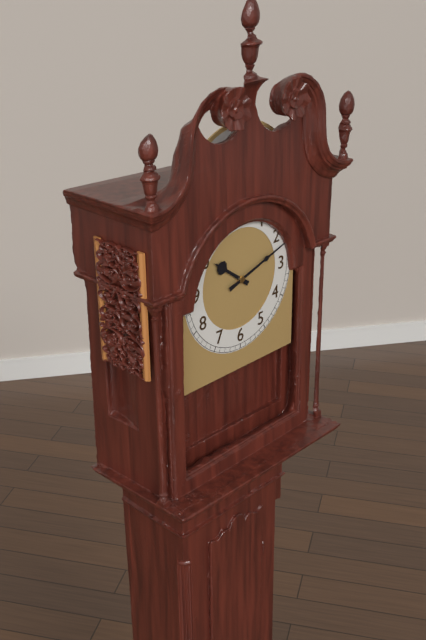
10:12
